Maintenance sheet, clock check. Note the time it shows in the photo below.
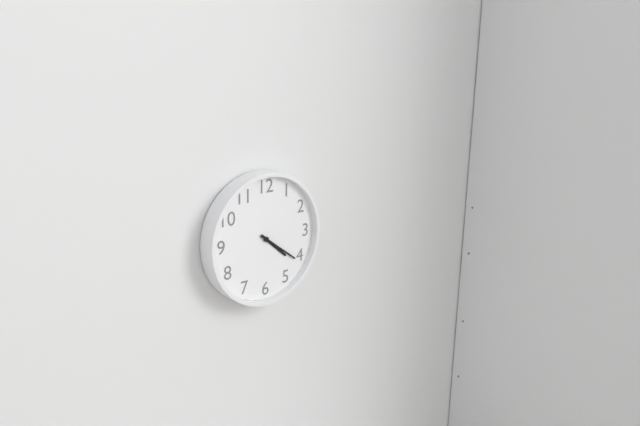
4:21
